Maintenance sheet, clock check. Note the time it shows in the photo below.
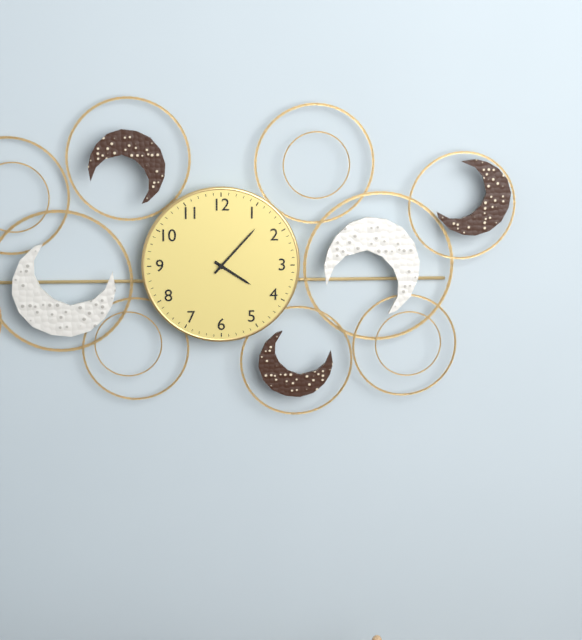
4:07
